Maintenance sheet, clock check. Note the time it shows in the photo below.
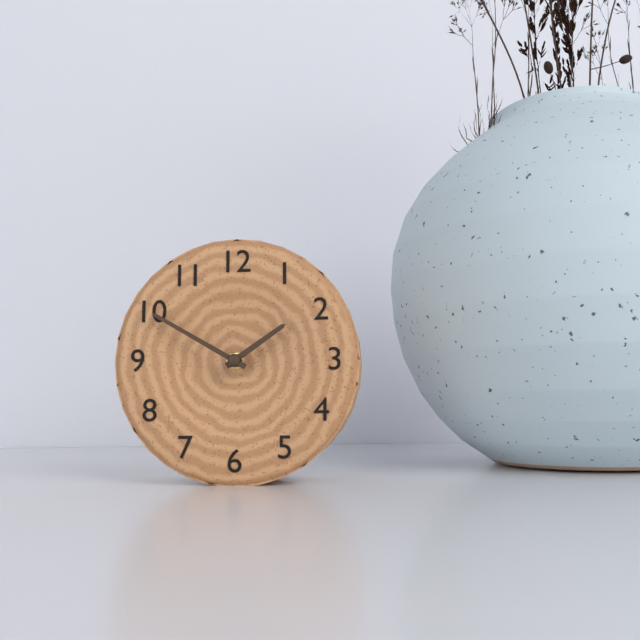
1:50
